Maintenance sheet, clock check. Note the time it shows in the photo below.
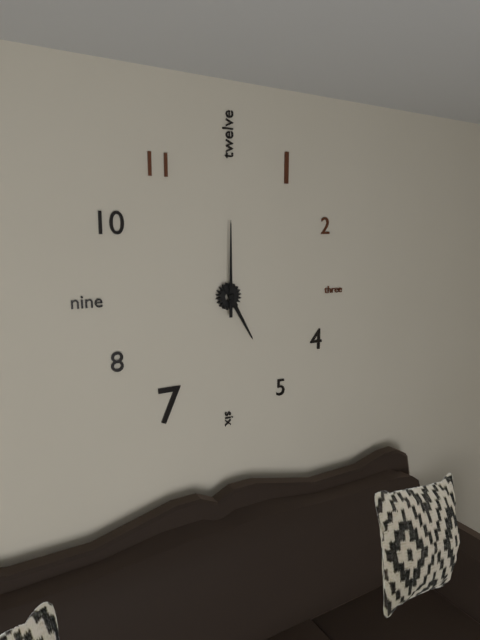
5:00
